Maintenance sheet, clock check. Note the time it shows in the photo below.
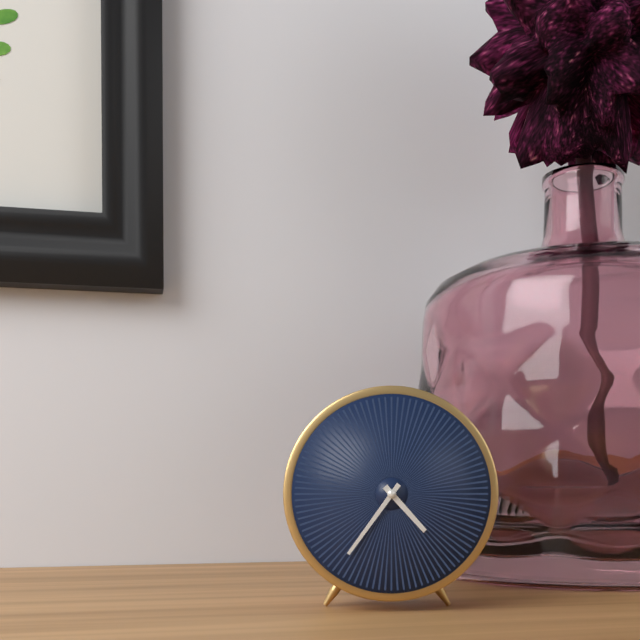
4:36
